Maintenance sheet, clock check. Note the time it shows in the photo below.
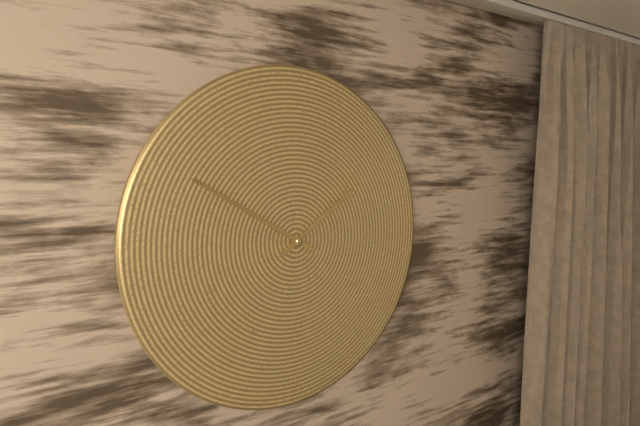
1:50
